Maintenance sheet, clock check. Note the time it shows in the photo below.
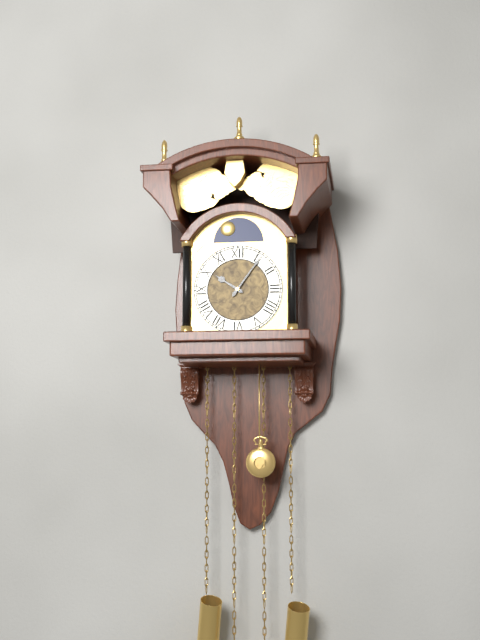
10:06
